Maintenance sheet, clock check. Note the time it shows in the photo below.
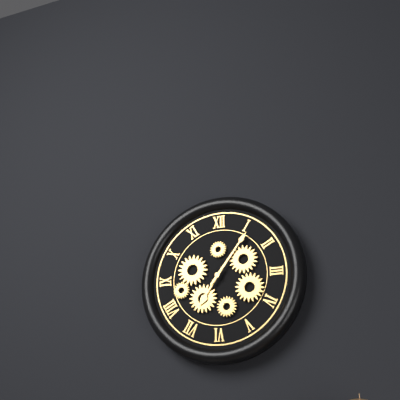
7:06
